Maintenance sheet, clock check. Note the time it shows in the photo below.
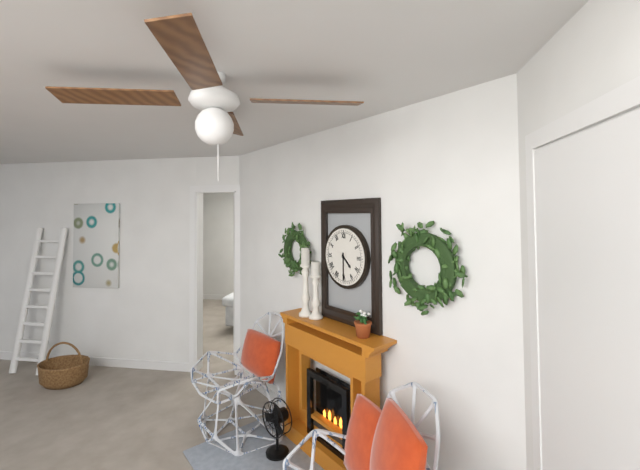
4:30
